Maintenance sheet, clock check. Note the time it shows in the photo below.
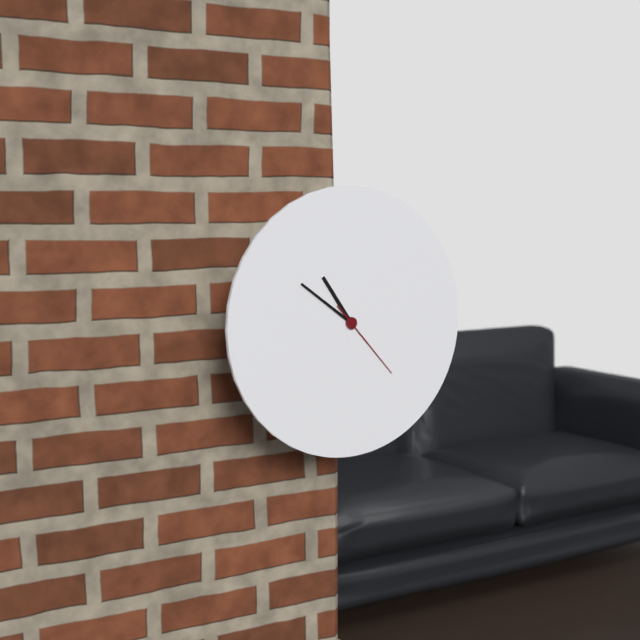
10:51:23
